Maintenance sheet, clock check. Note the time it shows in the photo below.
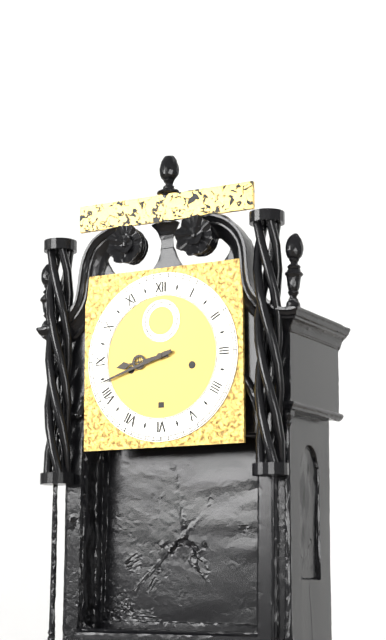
8:42
